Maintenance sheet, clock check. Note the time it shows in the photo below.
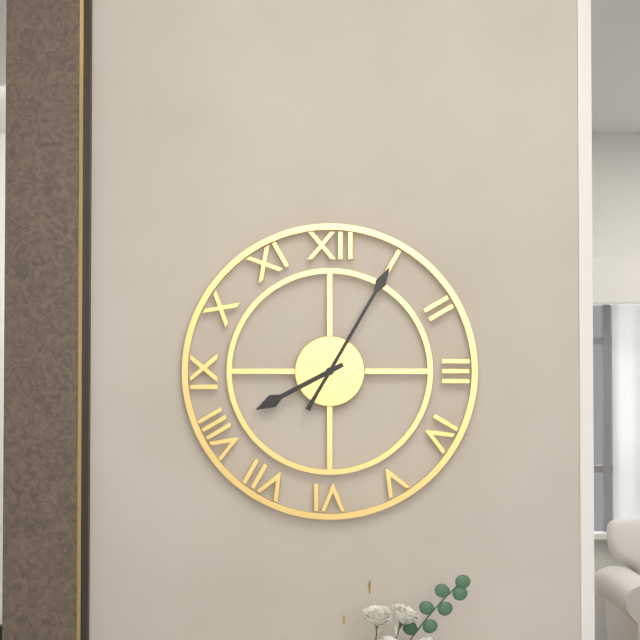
8:05
